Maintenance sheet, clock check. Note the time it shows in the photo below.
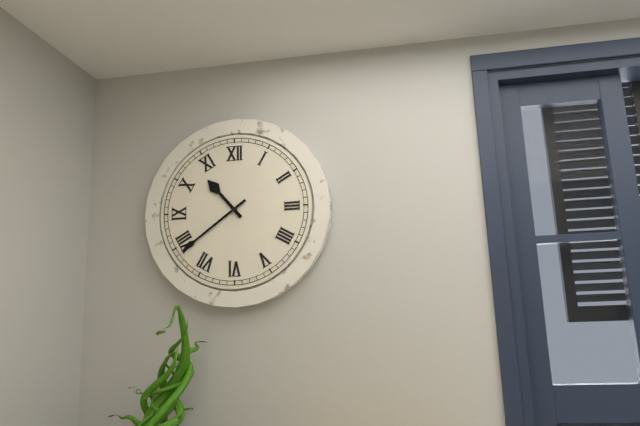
10:39
